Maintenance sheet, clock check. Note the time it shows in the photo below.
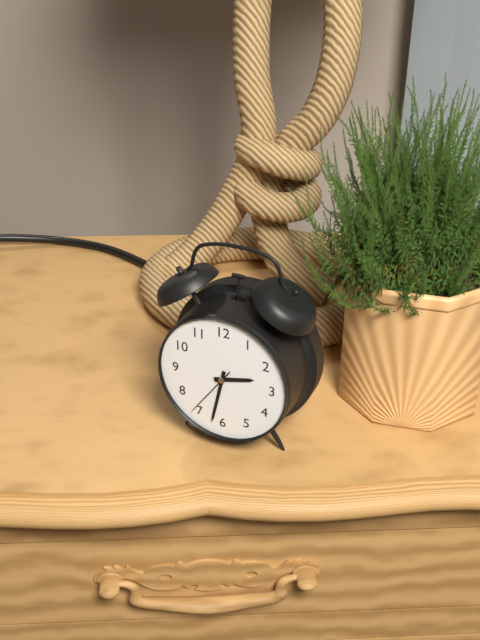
2:32:36
